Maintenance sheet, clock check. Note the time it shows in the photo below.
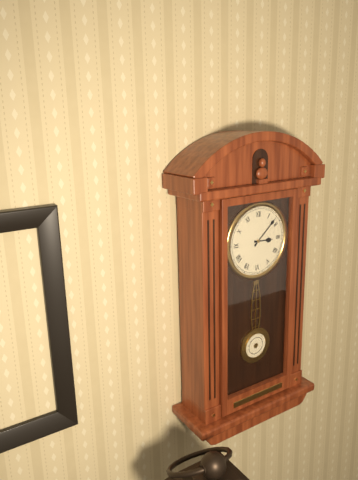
3:08
